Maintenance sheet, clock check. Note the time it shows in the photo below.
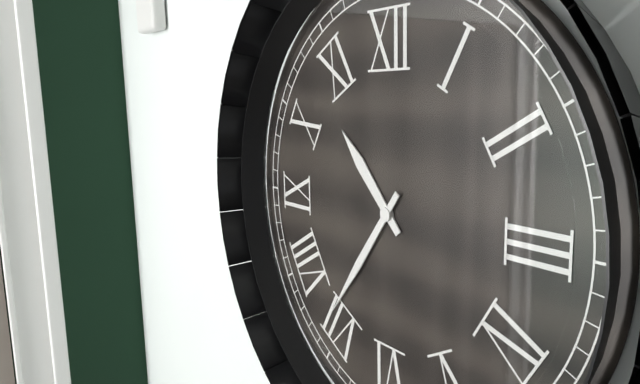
10:36
